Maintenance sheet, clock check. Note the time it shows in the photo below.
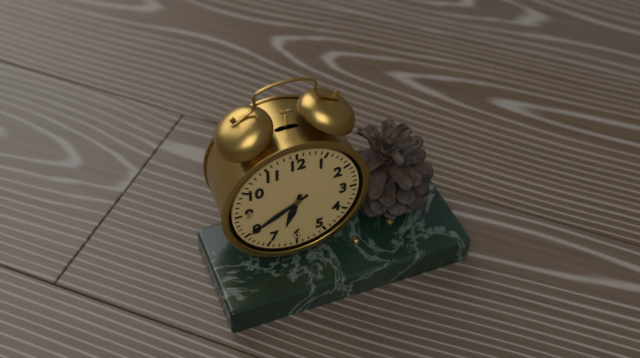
6:40
